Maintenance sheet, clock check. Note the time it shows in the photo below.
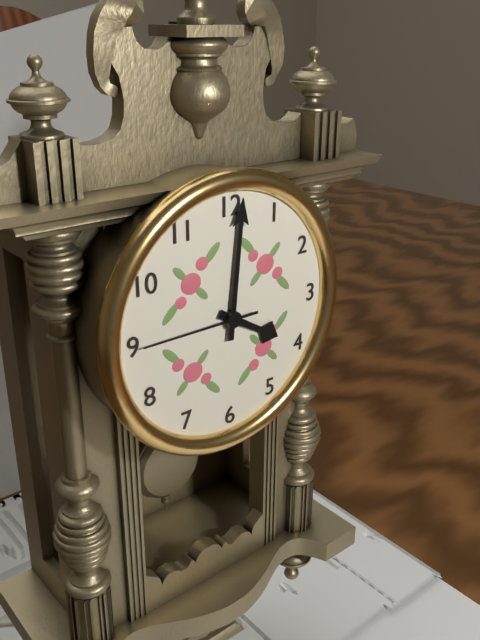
4:01:45
